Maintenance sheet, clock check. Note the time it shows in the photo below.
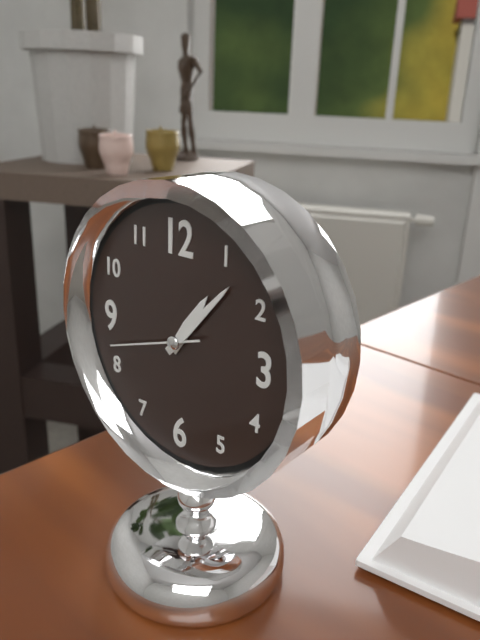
1:07:42
